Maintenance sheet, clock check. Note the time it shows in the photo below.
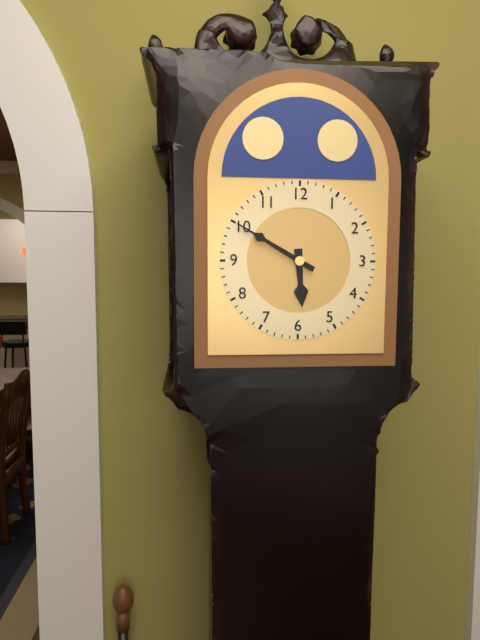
5:50
